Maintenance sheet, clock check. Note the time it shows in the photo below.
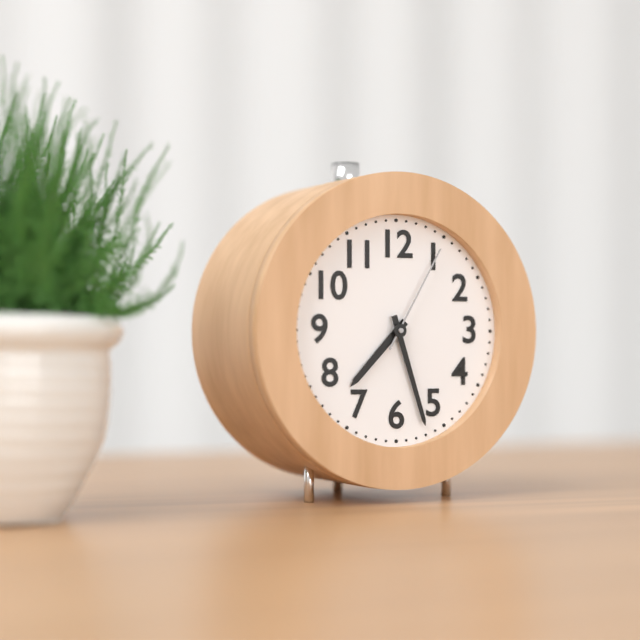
7:27:05
